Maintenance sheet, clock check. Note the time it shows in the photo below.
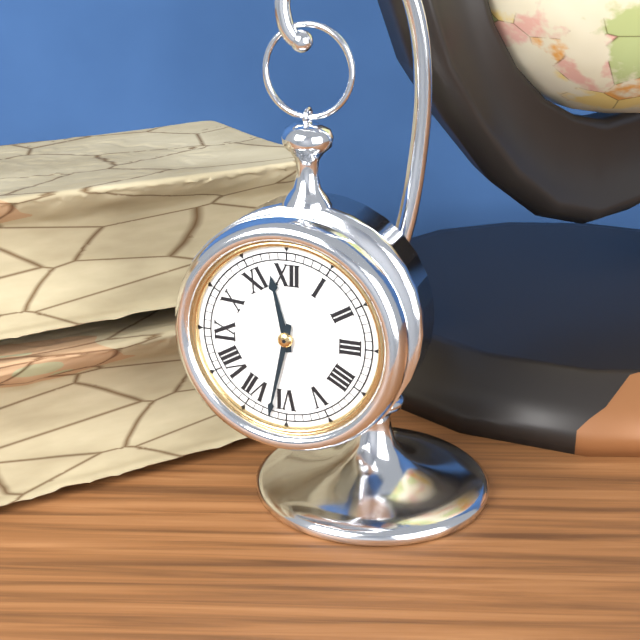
11:32
